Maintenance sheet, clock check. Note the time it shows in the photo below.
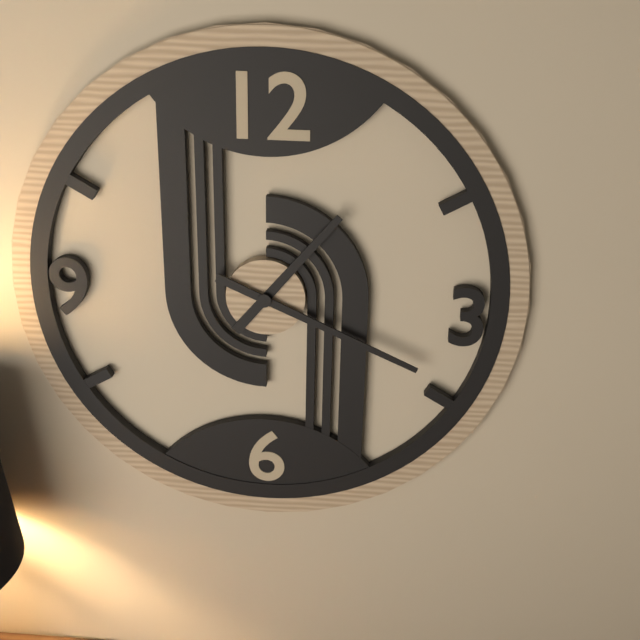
1:19
